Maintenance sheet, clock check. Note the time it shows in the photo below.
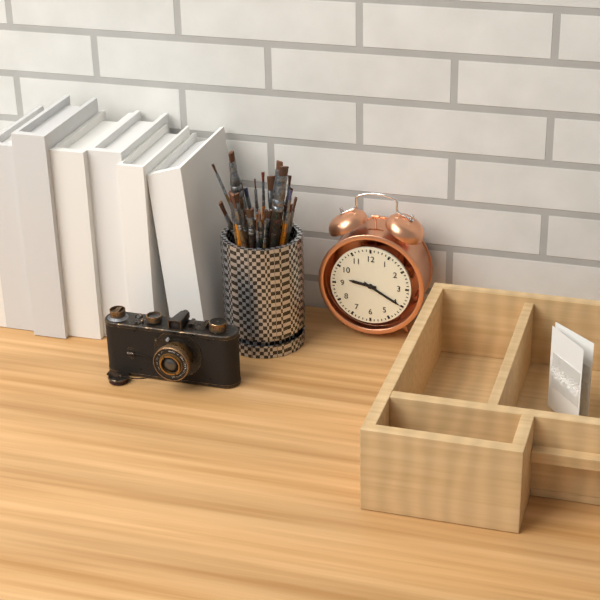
9:20
